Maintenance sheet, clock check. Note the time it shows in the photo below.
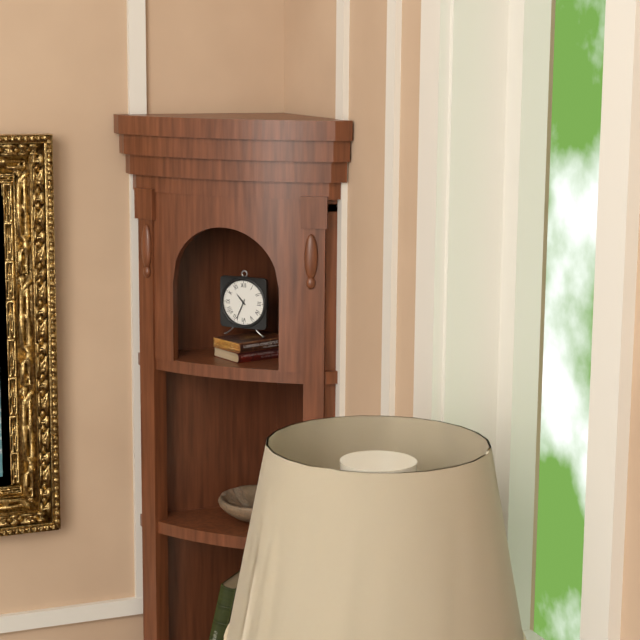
10:34
